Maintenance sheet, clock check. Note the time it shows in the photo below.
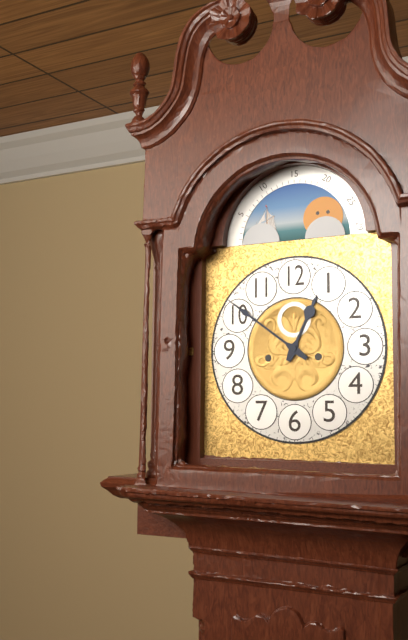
12:51
